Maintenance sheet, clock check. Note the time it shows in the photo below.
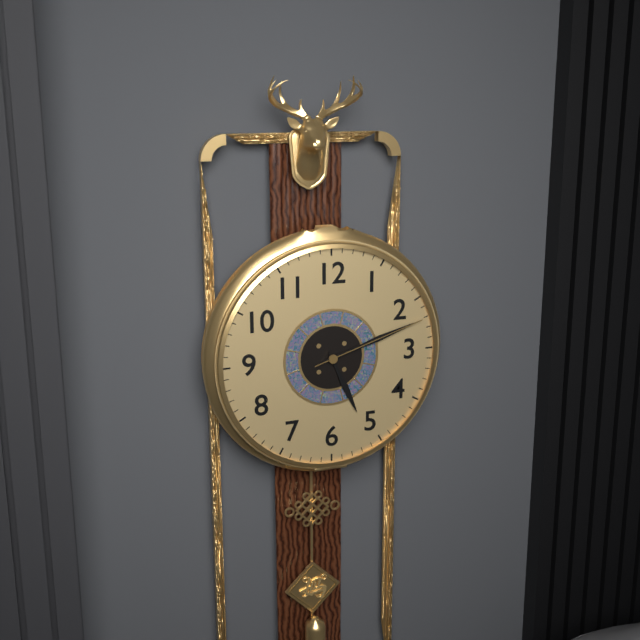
5:12:12
